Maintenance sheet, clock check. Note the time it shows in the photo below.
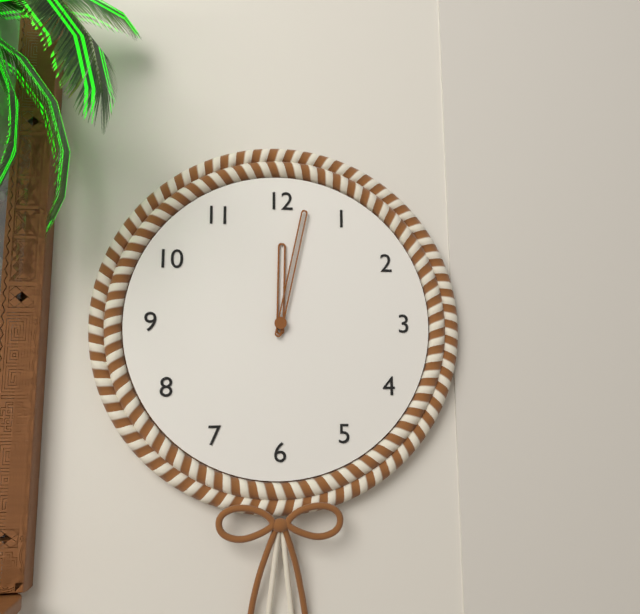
12:02
